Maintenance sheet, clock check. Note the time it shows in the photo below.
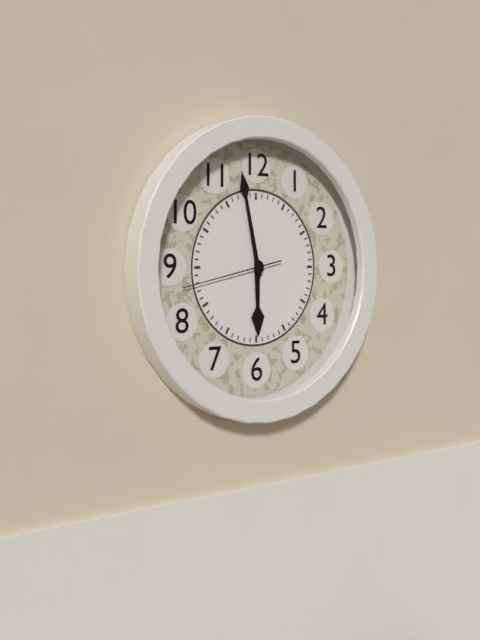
5:58:43
